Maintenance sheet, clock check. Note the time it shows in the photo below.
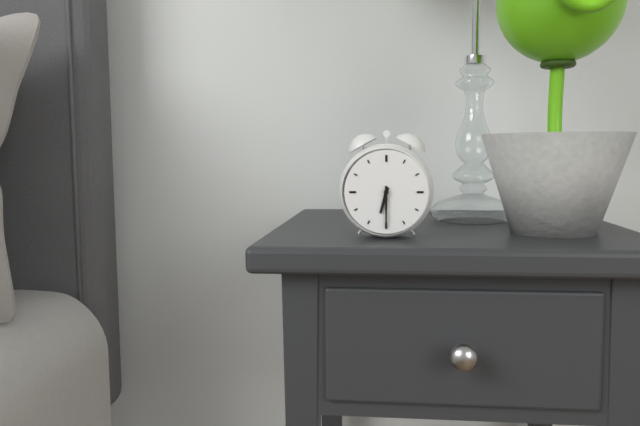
6:30
